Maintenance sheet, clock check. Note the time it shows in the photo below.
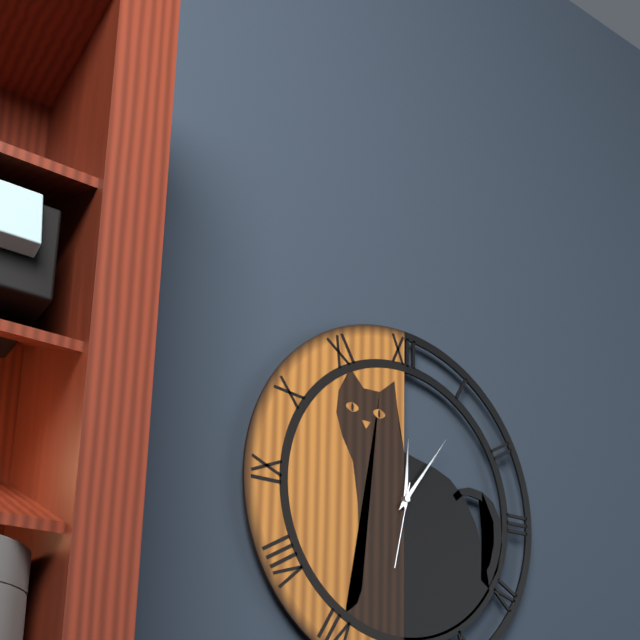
12:06:32
